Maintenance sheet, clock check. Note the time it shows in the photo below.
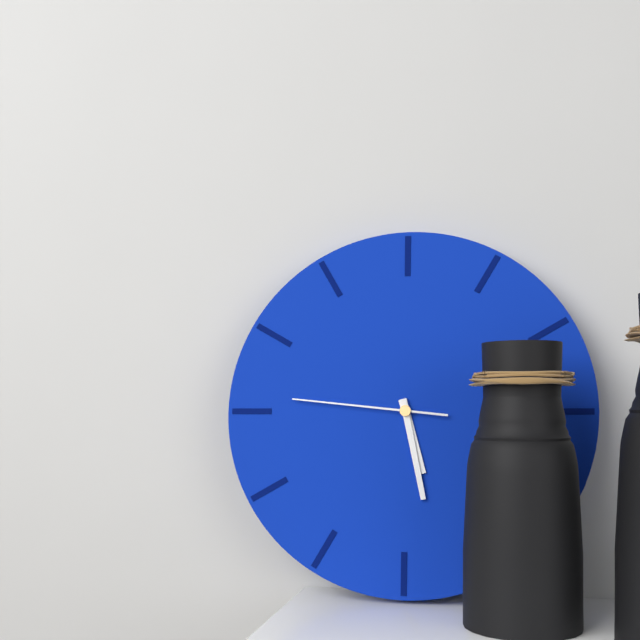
5:28:46
